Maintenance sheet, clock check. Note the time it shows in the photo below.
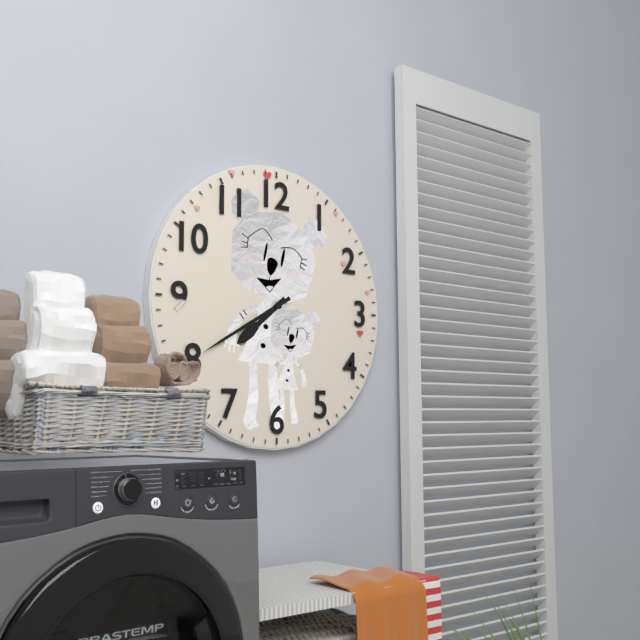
7:40
